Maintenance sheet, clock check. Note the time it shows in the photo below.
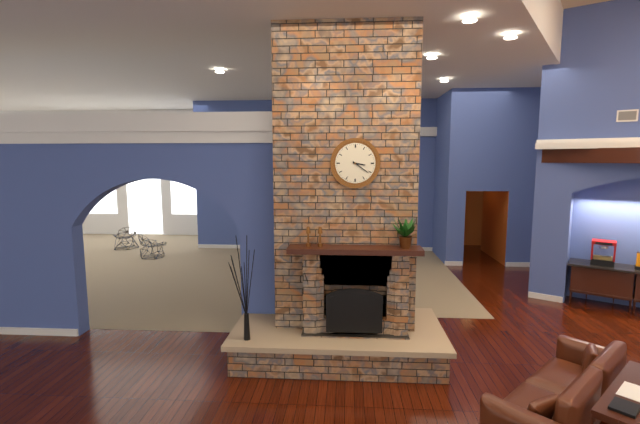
3:21
